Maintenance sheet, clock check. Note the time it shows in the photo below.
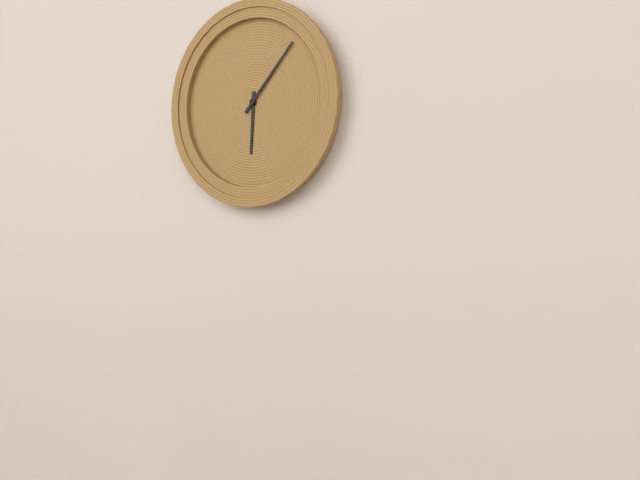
6:07
